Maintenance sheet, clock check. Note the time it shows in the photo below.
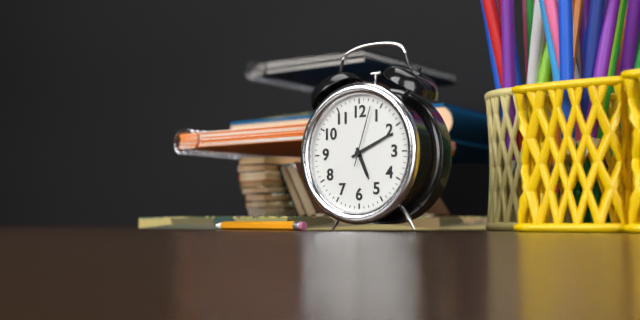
5:11:03
